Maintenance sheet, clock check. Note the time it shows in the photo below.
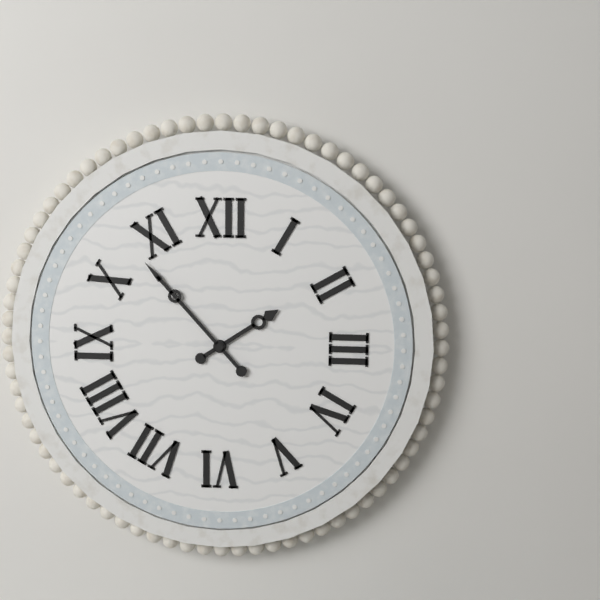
1:53
